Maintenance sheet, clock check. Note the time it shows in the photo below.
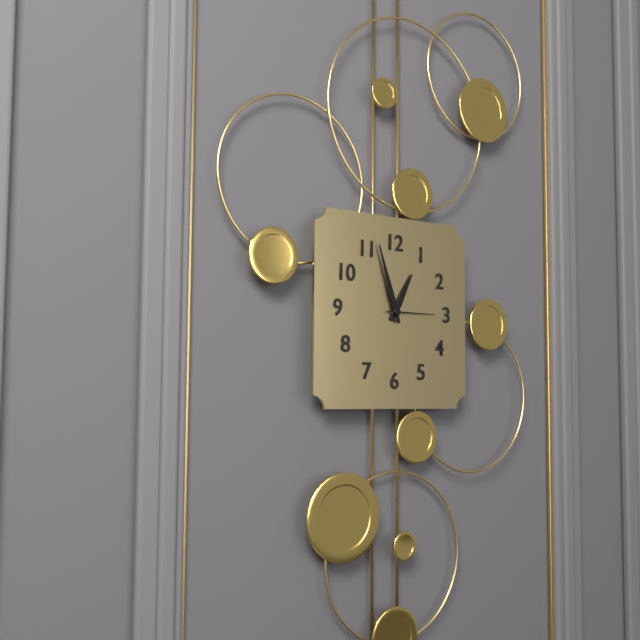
12:57
